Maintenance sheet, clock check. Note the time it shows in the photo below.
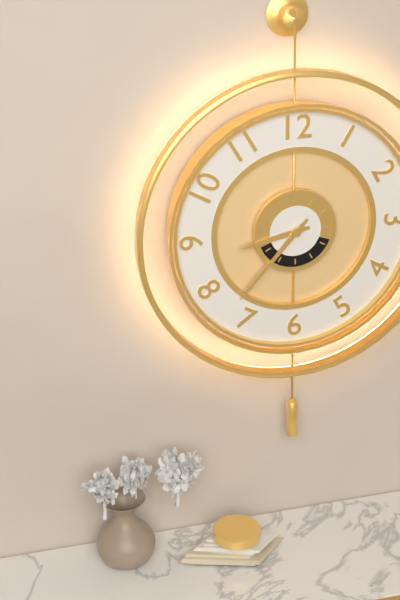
8:37
